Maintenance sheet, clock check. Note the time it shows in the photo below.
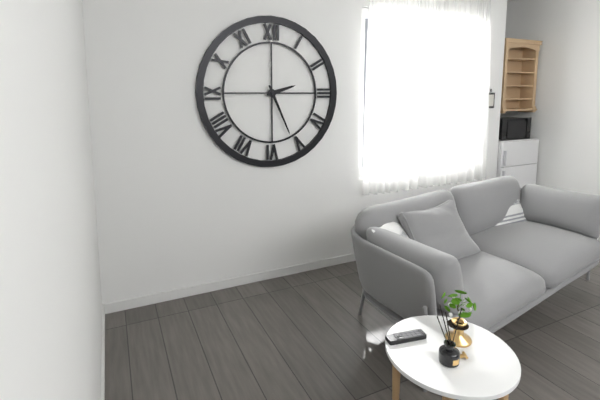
2:26
